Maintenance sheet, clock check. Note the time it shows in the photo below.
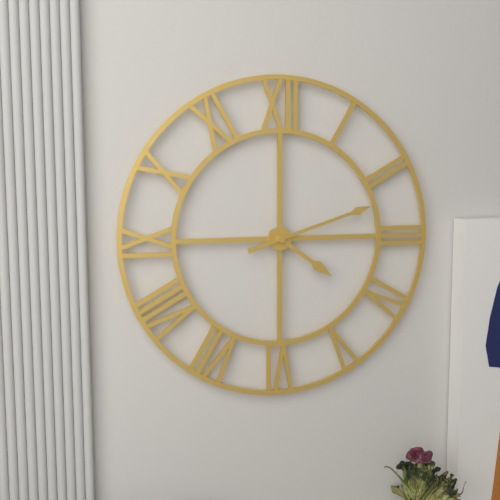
4:12
